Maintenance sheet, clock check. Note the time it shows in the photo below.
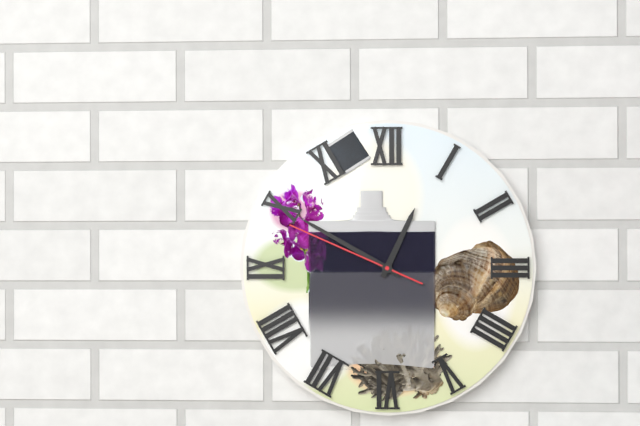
12:50:49
